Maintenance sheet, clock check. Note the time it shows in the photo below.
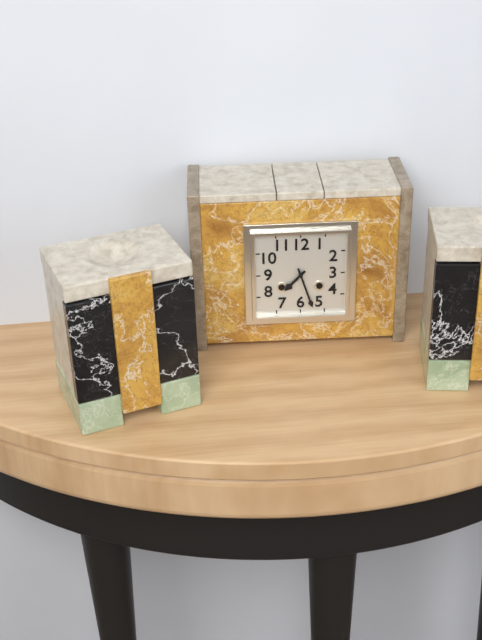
7:27
